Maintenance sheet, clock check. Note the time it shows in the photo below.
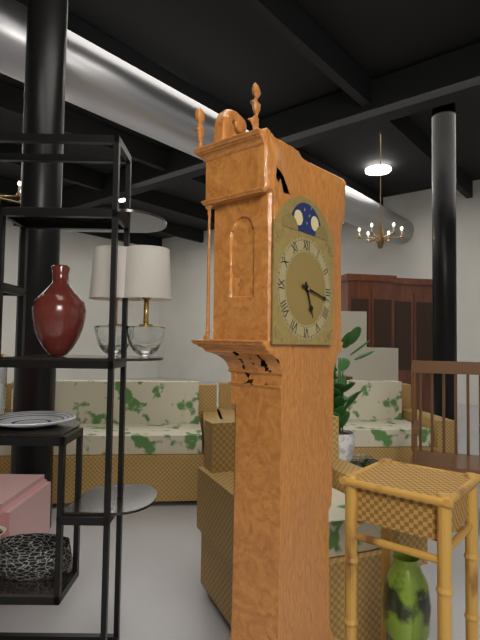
5:17
